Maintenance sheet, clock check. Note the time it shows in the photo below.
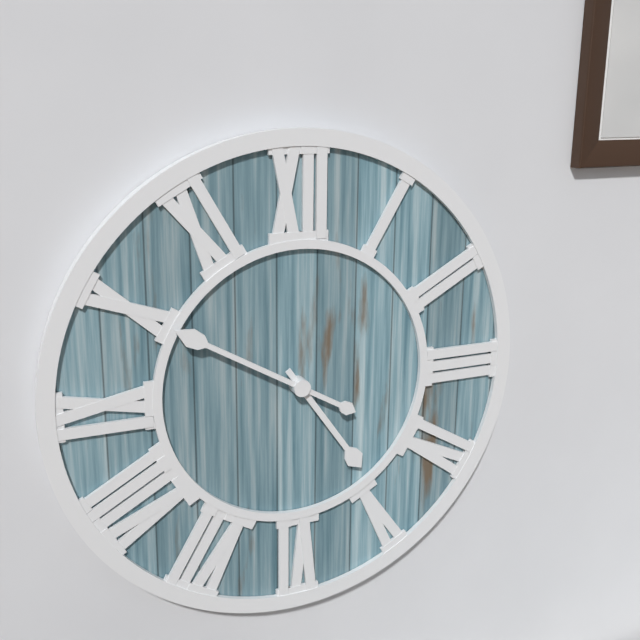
4:50
